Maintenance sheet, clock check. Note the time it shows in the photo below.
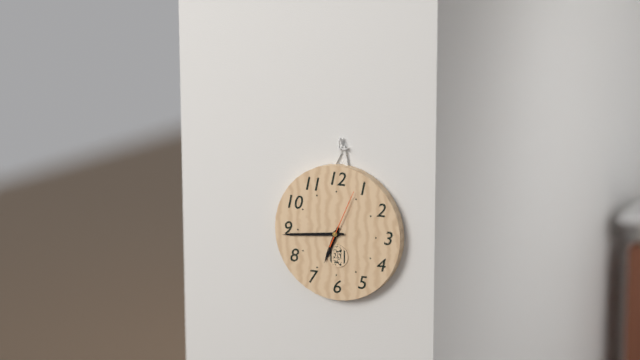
6:44:04
